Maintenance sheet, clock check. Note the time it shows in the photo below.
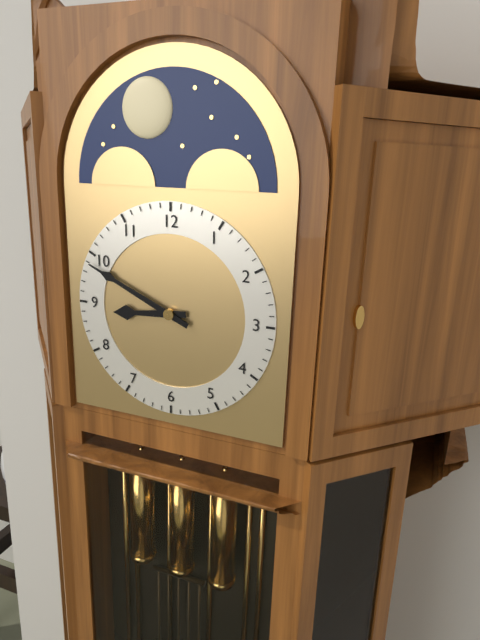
8:49
